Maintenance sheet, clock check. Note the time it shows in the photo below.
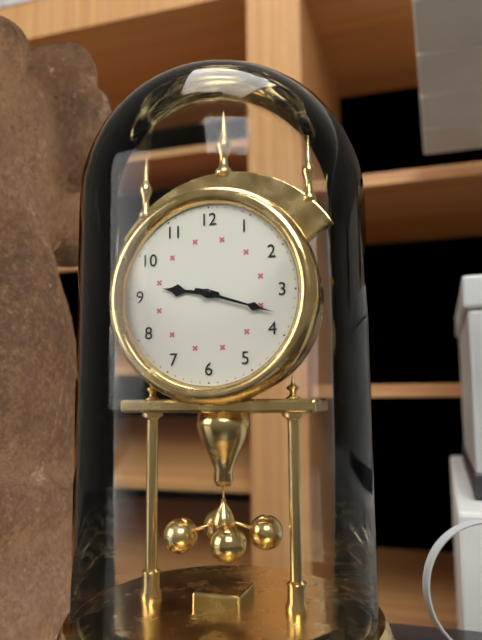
9:18
